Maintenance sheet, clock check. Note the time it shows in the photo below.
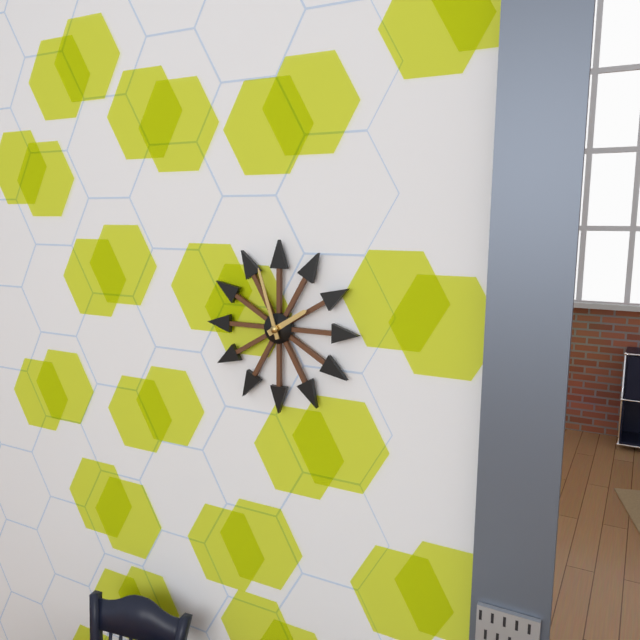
1:57
